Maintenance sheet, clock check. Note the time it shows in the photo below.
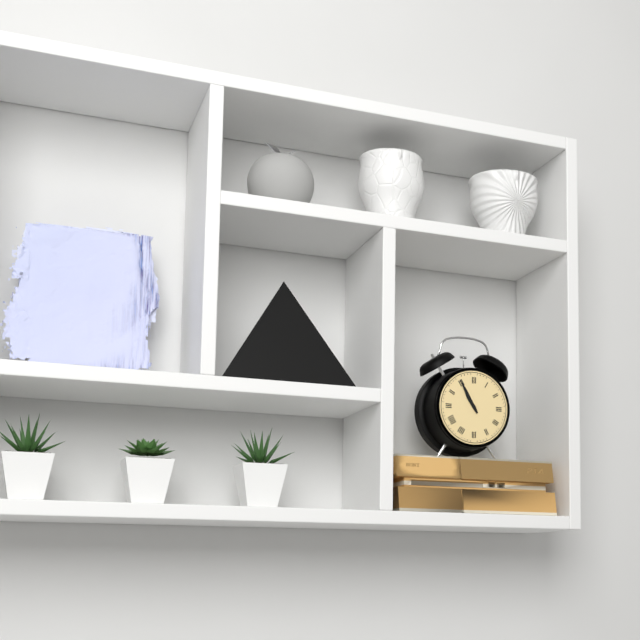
10:55
